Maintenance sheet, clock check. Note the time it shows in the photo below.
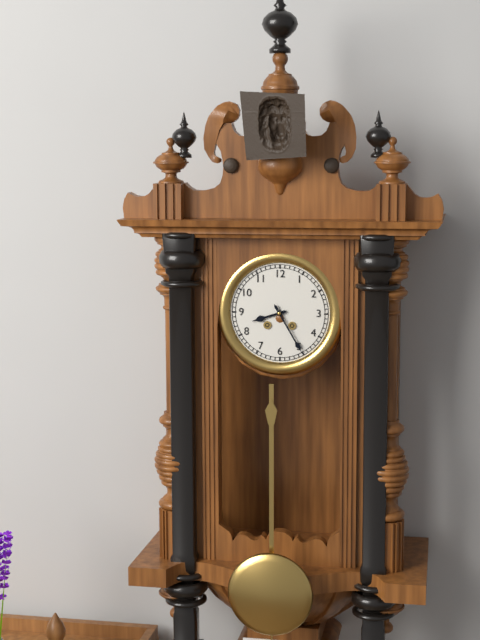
8:25
